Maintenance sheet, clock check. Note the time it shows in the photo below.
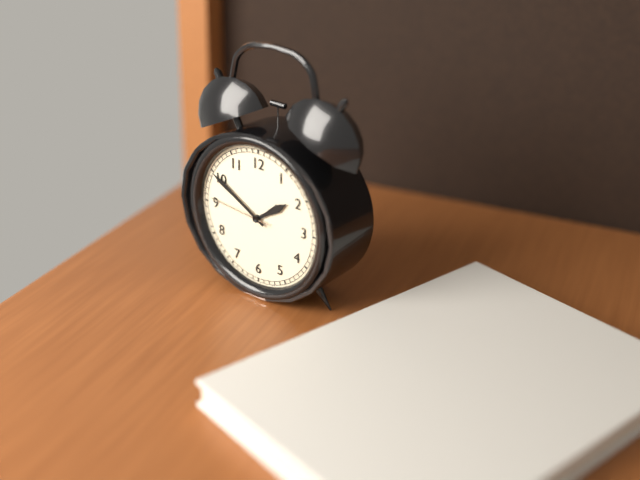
1:50:46
